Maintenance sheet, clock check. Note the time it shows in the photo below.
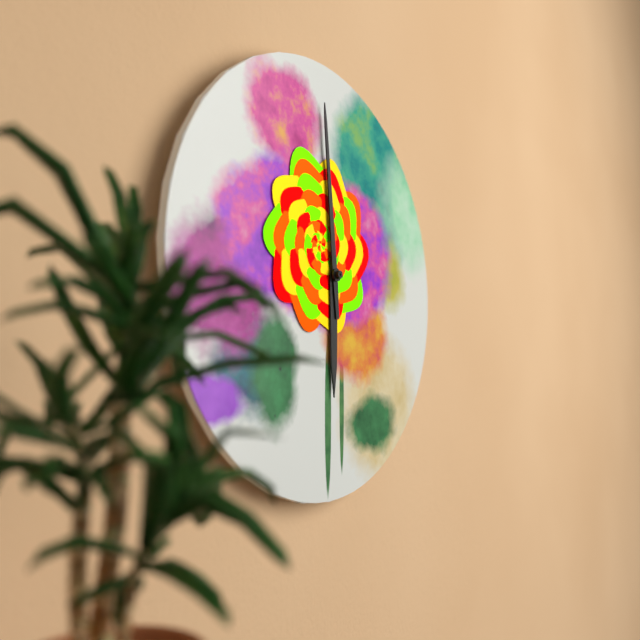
5:59
